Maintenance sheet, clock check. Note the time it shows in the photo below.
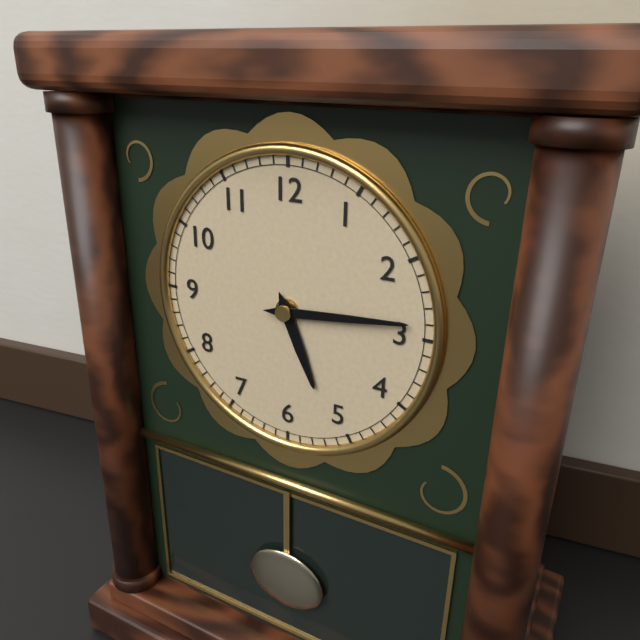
5:14
